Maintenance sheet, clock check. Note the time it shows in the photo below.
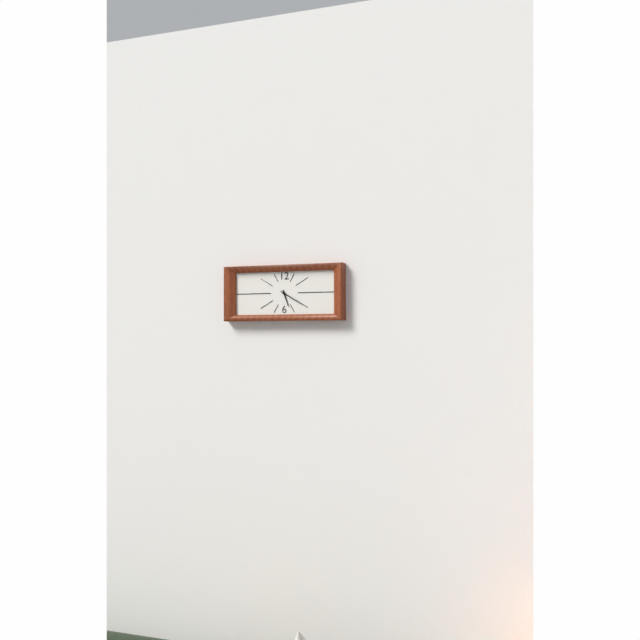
5:20
